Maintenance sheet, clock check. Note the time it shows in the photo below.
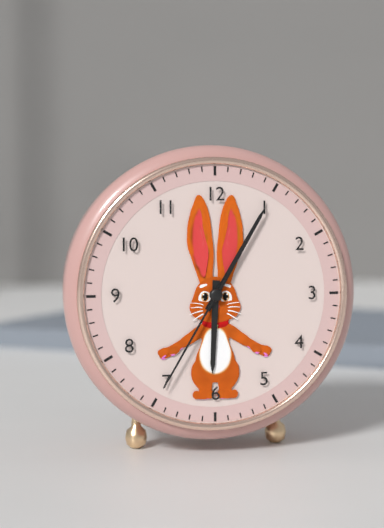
6:05:35
